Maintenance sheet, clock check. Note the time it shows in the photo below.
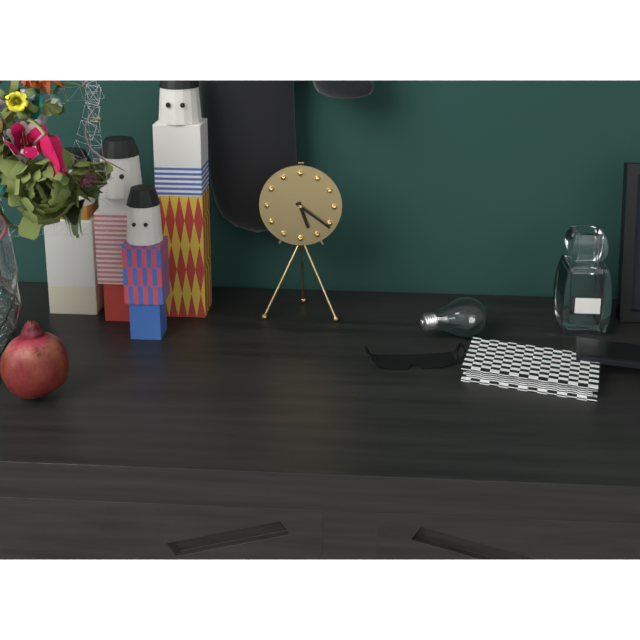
5:21
